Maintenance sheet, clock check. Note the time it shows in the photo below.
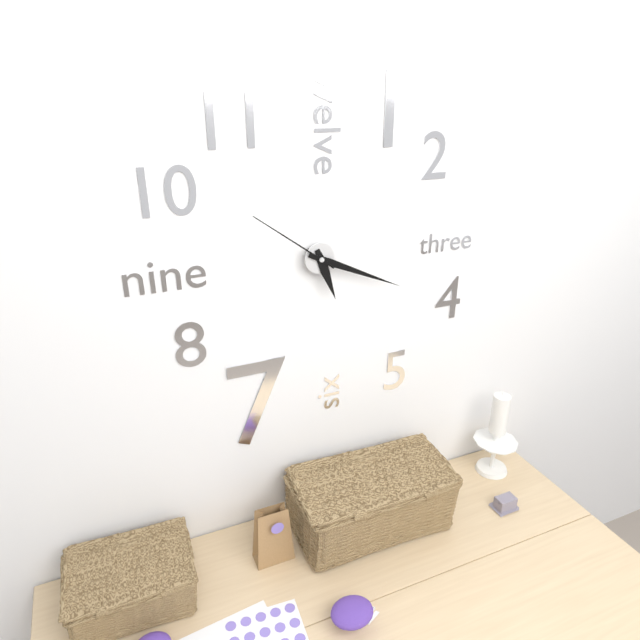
5:19:51
